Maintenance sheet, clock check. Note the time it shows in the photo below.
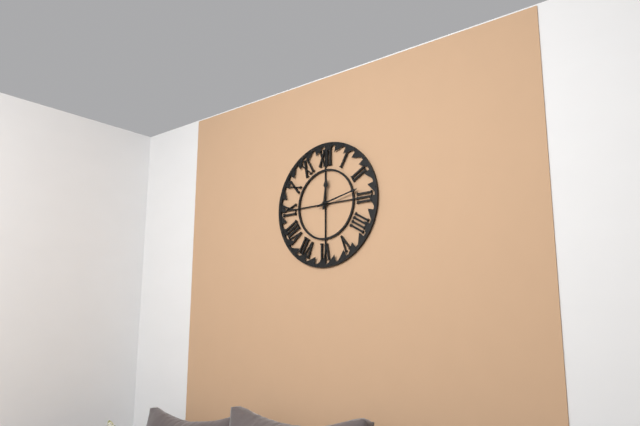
12:13
